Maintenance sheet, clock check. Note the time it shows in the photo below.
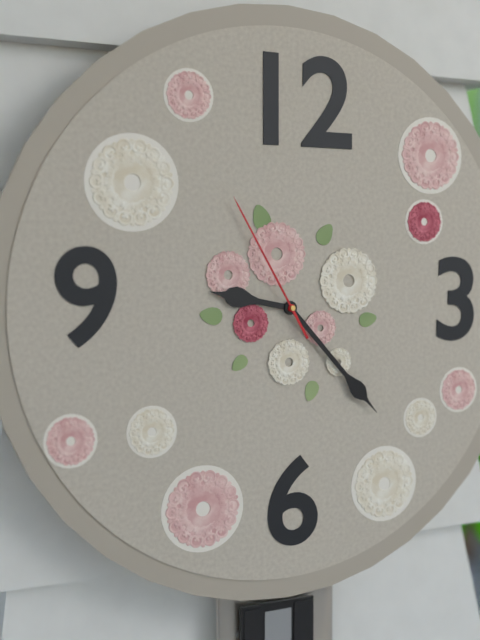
9:23:55
